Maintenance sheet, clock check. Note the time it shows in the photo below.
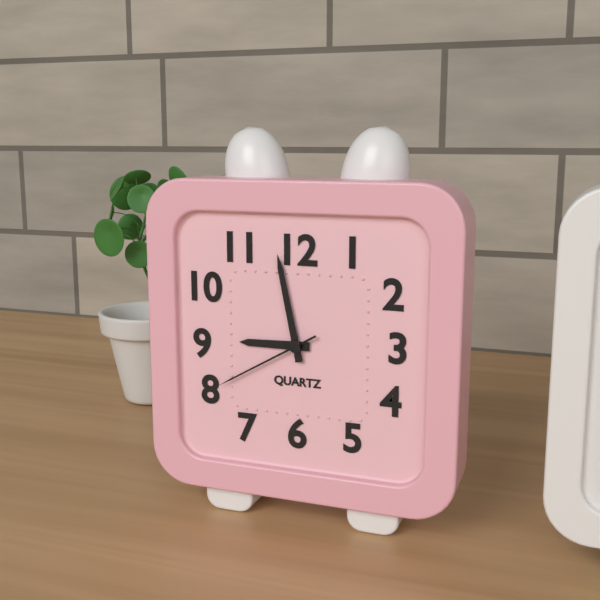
8:58:40
